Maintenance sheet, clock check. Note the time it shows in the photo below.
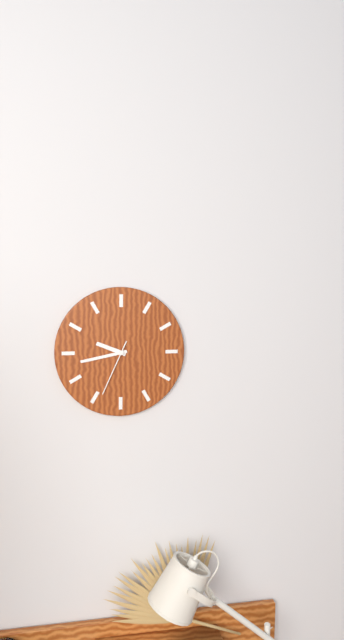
9:43:34
